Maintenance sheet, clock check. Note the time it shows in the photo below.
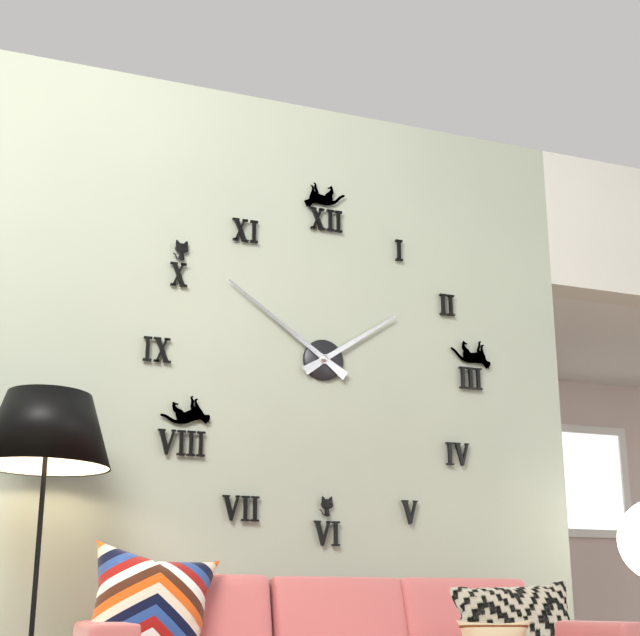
1:51
